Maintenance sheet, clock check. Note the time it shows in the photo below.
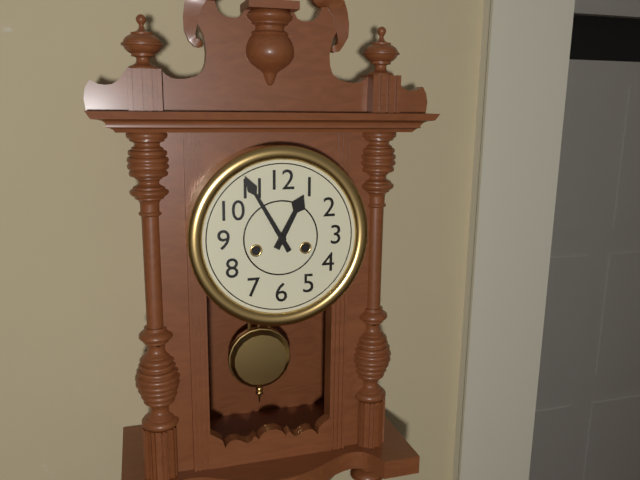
12:55
